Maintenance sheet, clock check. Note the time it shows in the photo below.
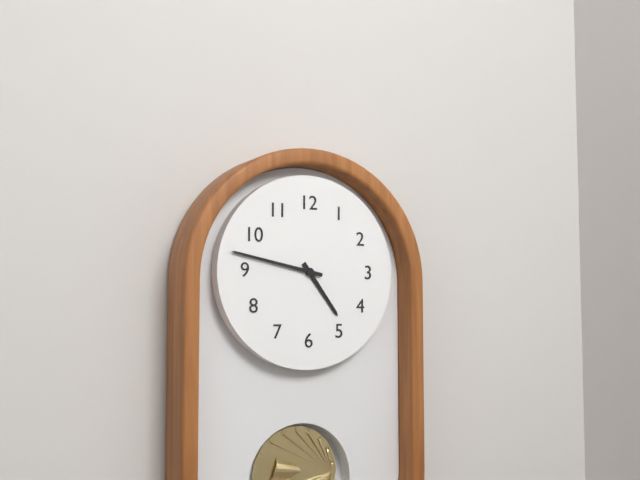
4:47
